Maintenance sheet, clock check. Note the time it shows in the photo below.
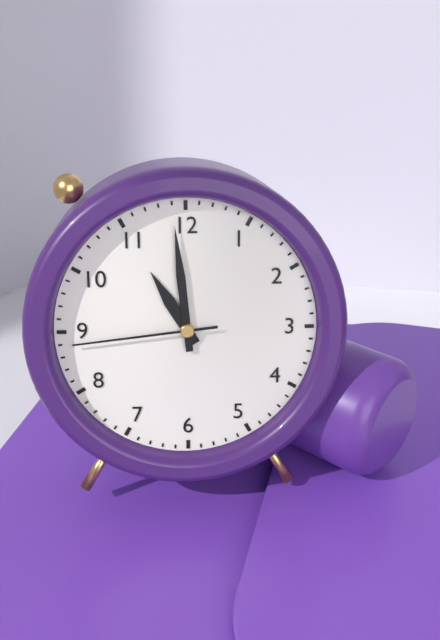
10:59:44
